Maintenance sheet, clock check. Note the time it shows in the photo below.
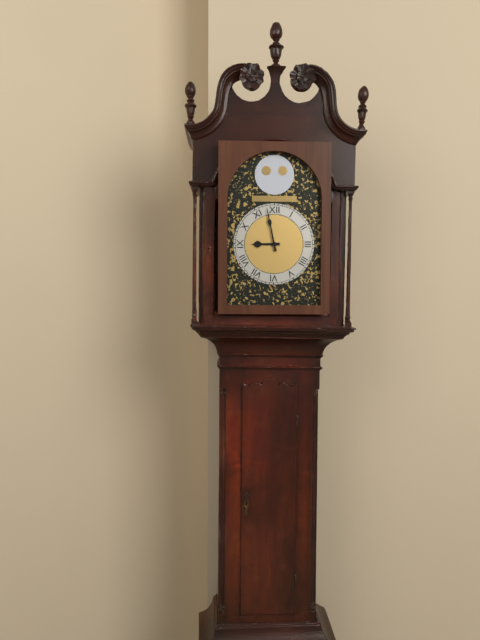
8:58
